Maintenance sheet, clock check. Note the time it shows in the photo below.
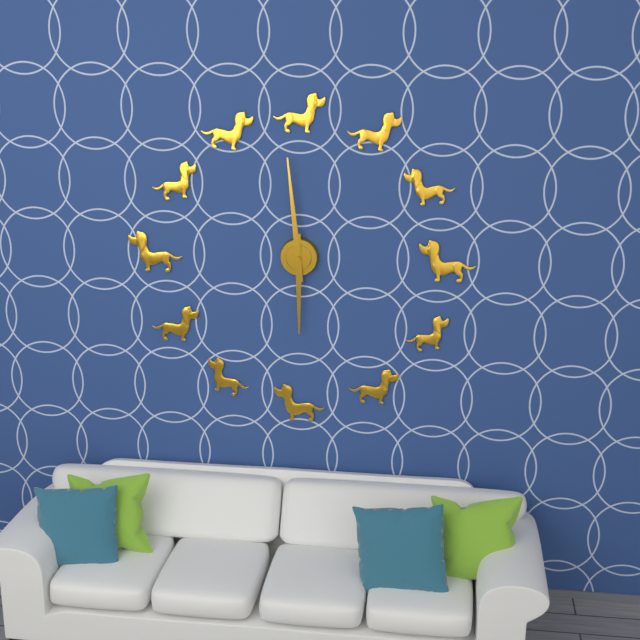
5:59
